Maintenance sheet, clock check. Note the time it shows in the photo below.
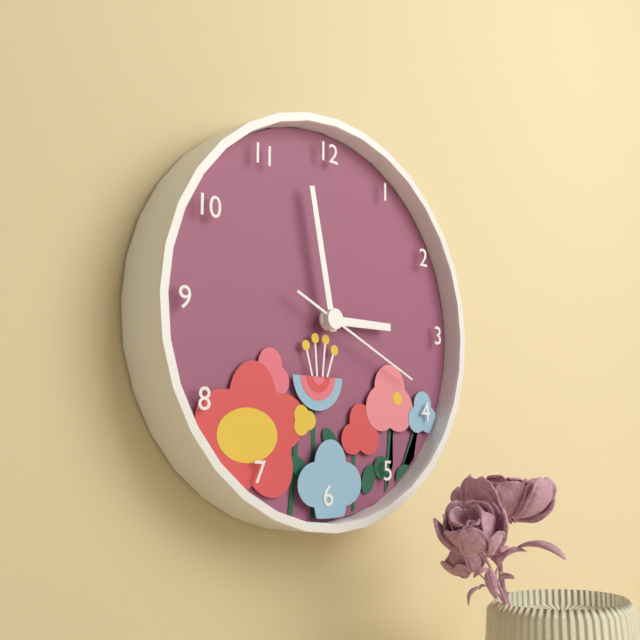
2:58:19
